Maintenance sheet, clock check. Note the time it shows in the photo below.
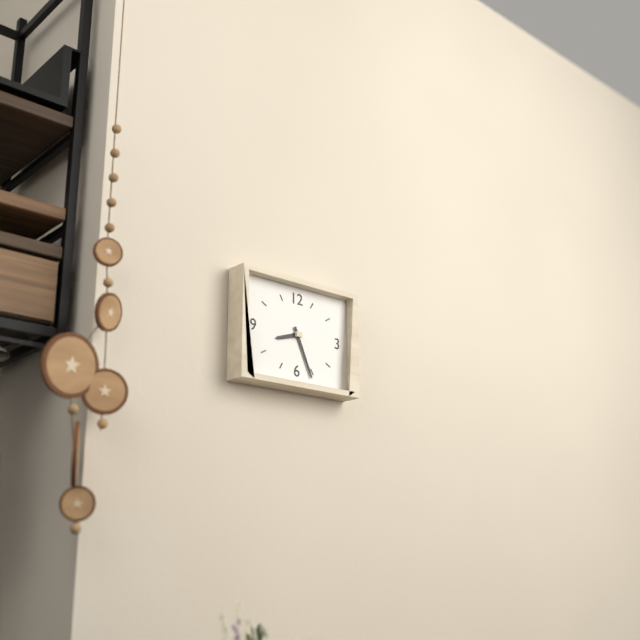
8:26
